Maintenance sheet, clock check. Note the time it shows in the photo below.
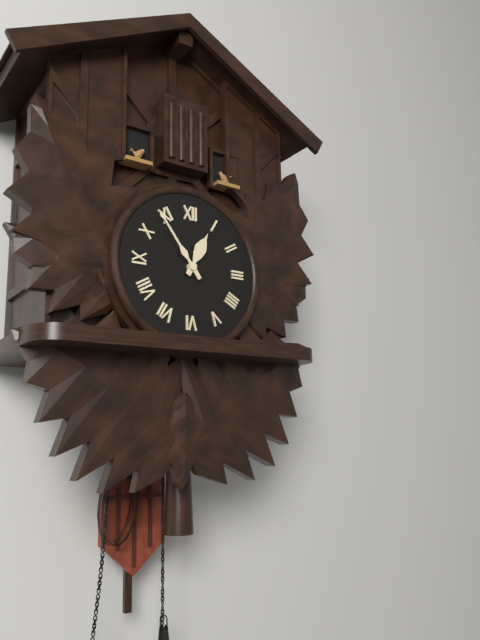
12:54
